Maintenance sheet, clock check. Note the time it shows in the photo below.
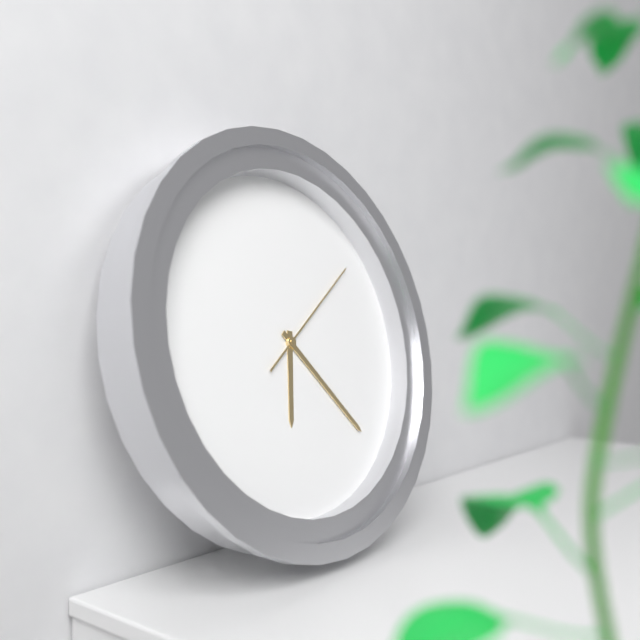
6:23:09
